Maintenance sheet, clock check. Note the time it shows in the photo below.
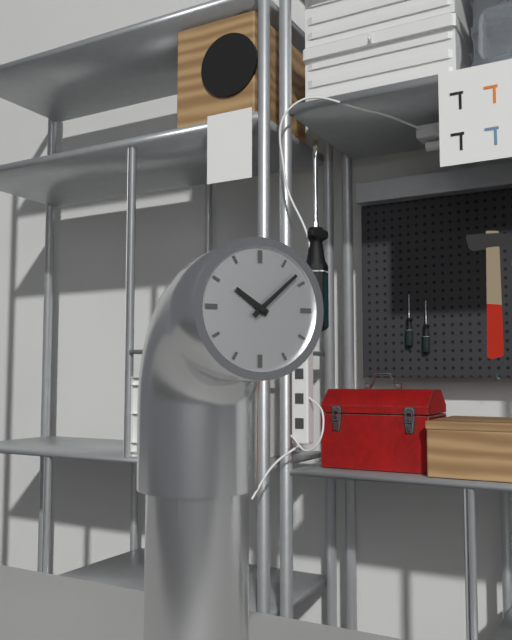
10:08
